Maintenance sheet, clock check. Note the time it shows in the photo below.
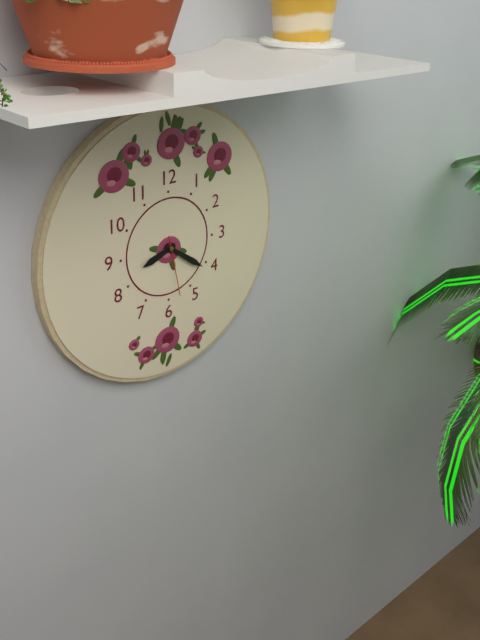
8:21:28
